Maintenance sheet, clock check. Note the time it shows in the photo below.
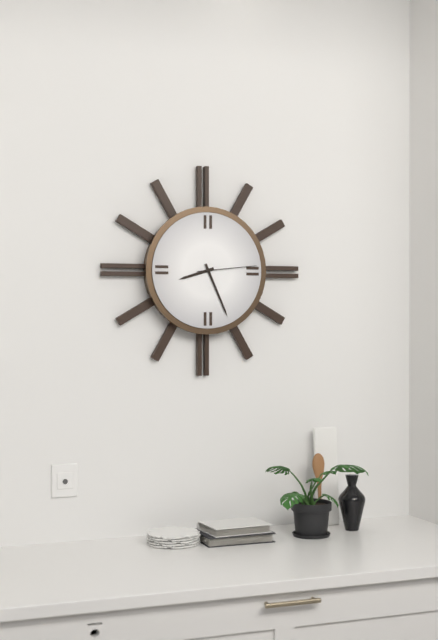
8:26:14
